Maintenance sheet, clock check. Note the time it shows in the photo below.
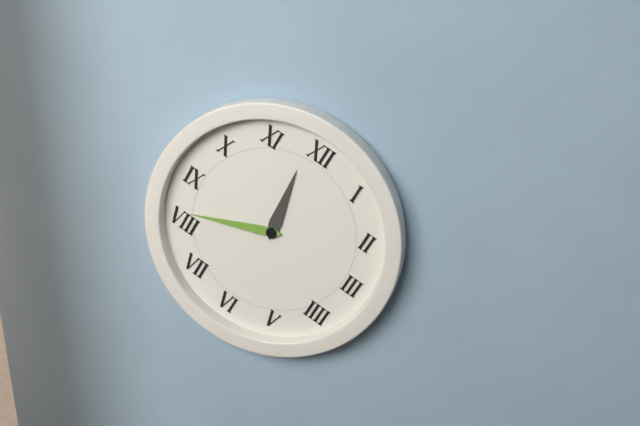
11:41
